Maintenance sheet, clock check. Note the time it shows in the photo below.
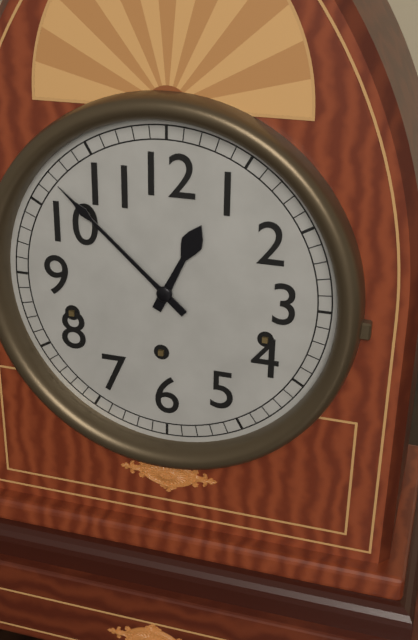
12:52
